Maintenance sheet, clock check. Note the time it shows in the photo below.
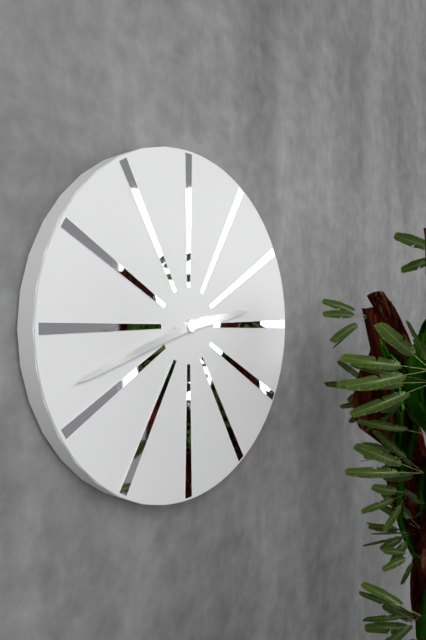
2:42
